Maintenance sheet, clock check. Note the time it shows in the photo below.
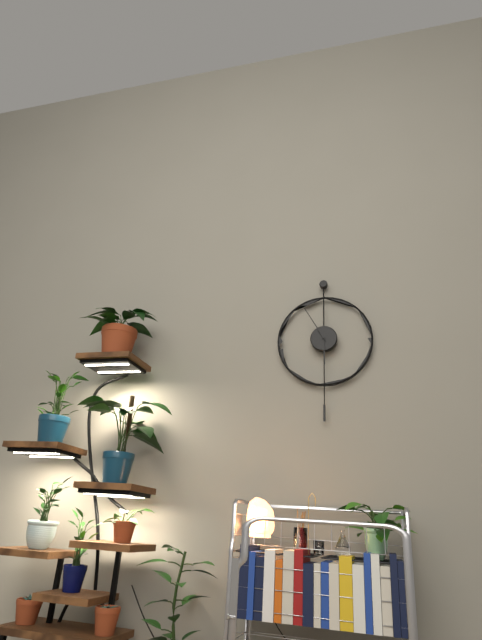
5:55
